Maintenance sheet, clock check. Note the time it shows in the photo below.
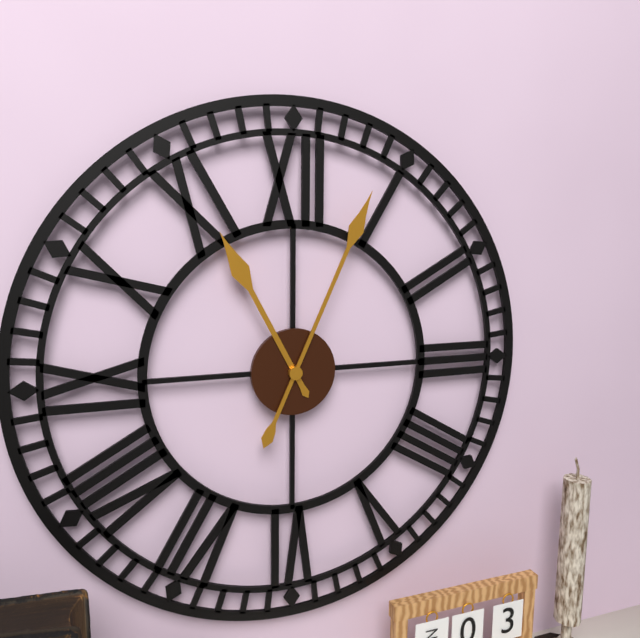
11:04
